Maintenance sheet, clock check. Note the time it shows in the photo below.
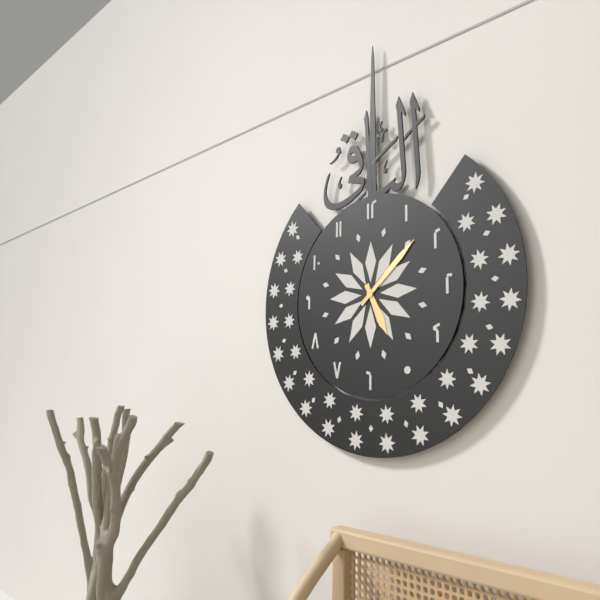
5:08
